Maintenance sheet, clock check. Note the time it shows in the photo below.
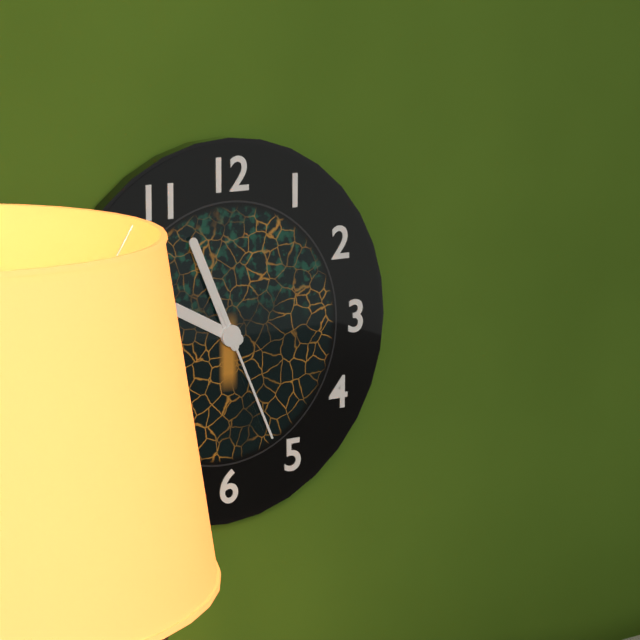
9:56:26
